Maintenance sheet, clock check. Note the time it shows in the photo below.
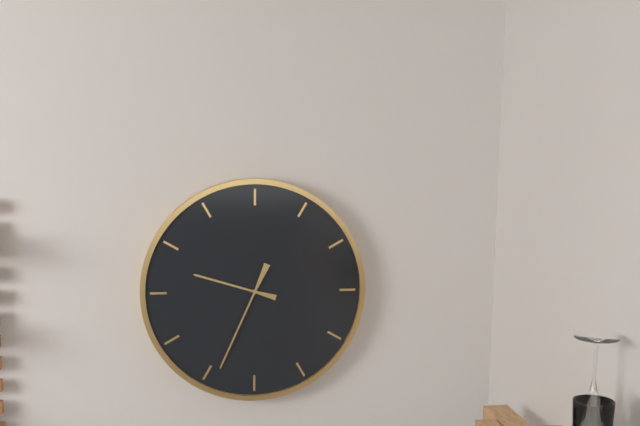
9:34
